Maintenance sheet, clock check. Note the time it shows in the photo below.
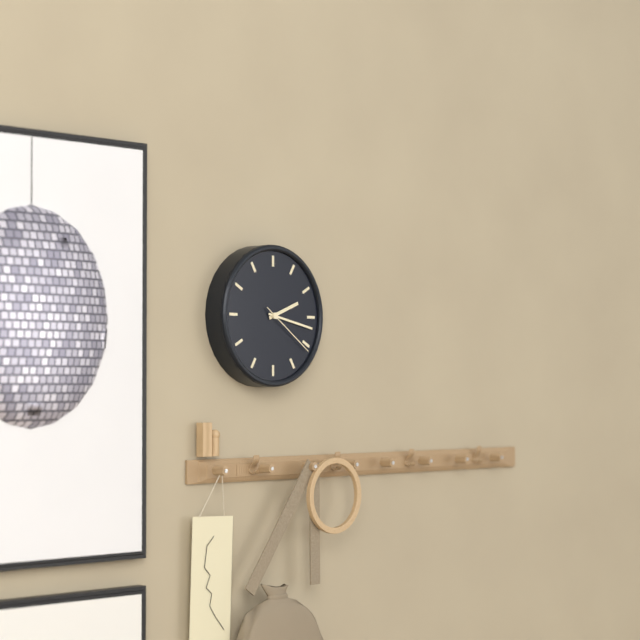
2:17:21
